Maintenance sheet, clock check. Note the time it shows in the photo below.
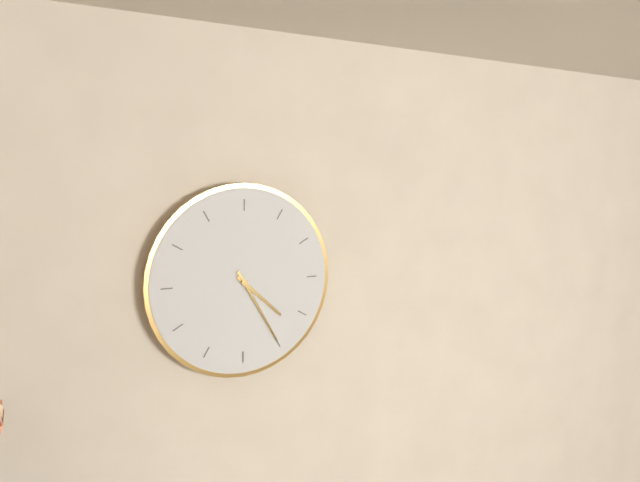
4:25
